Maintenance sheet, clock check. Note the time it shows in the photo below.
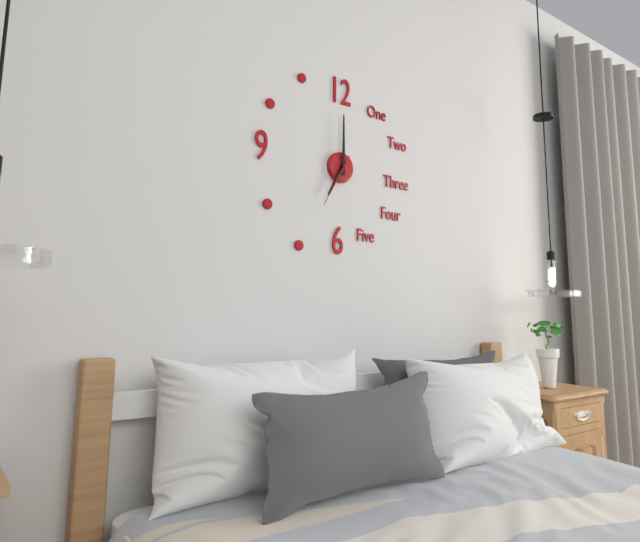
7:00:35
